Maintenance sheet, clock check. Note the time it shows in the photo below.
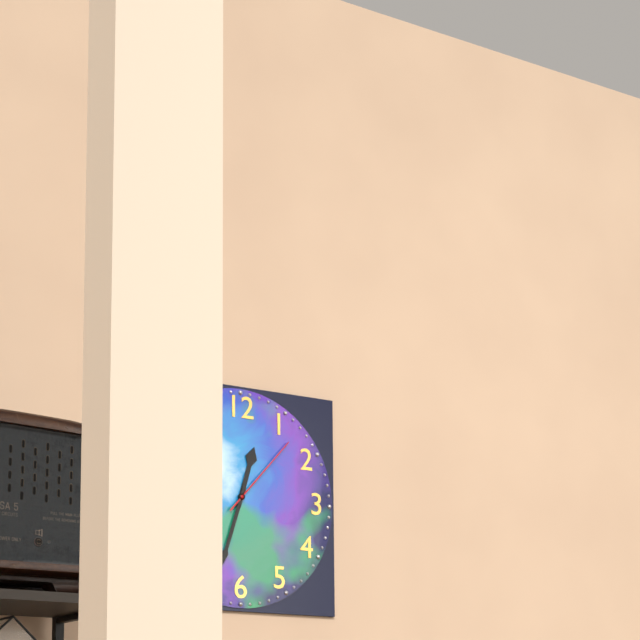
12:33:07
